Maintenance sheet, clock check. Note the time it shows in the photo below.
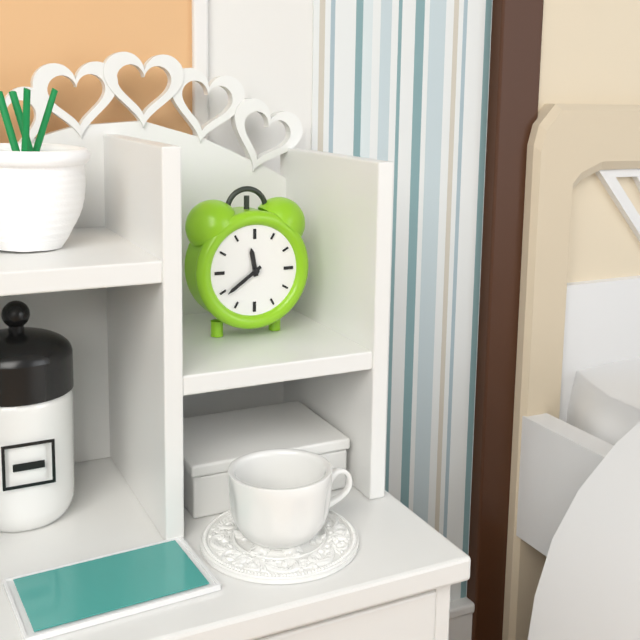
11:39
